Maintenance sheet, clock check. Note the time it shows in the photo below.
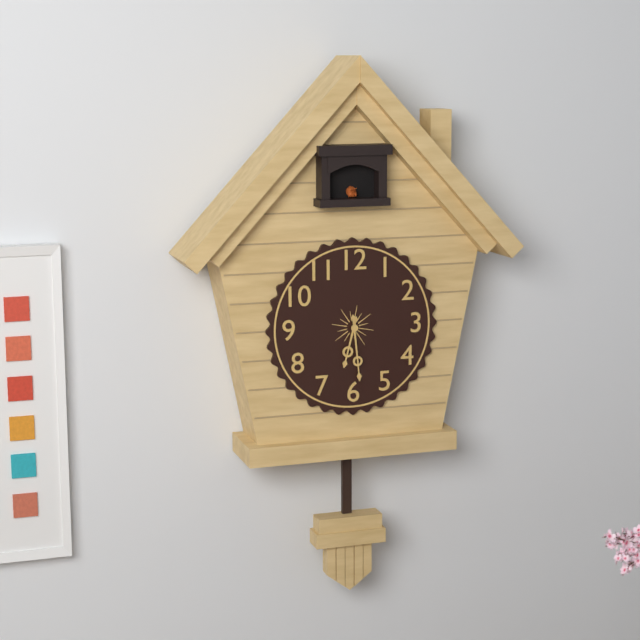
6:29
